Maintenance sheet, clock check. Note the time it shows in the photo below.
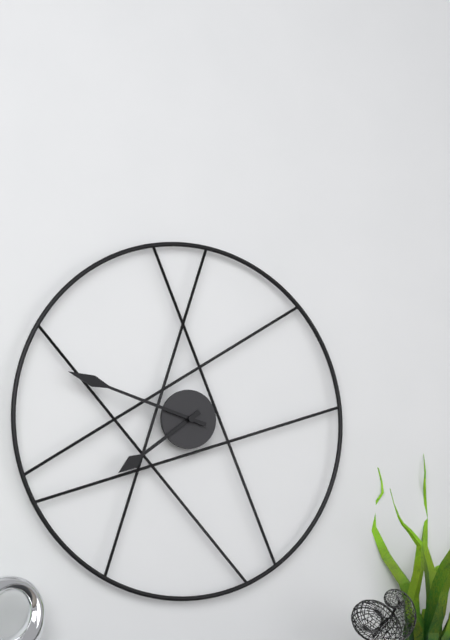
7:48
